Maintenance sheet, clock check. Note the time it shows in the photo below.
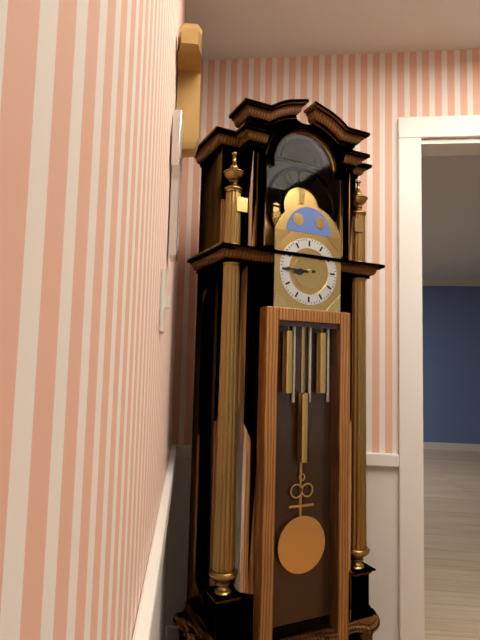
8:45
